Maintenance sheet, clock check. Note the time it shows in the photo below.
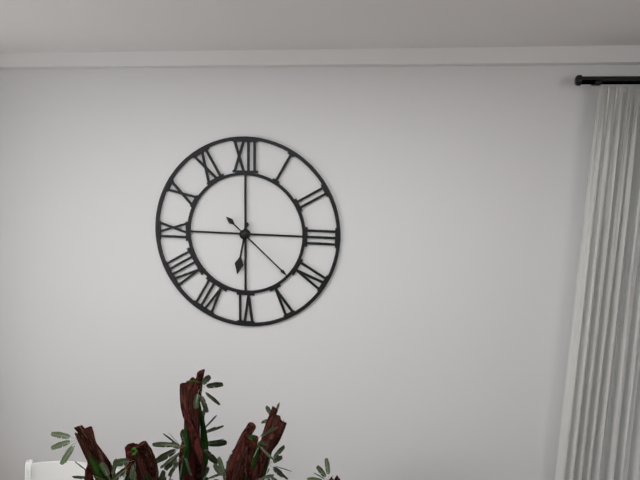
6:22
